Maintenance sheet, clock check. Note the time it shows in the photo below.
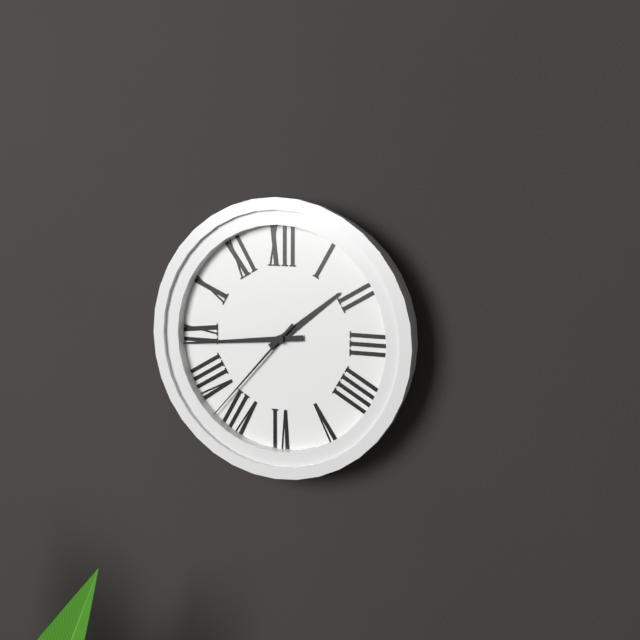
1:44:37
